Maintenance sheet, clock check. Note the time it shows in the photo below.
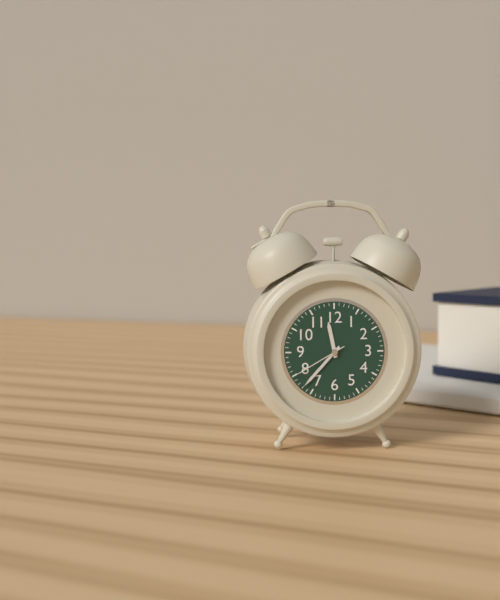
11:37:40
